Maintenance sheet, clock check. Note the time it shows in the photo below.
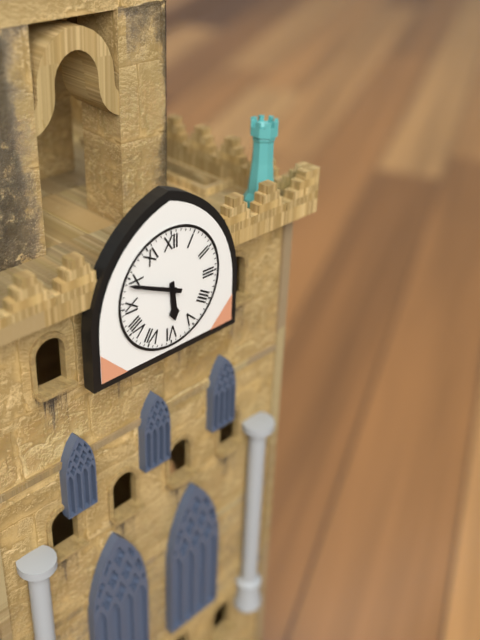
5:49
